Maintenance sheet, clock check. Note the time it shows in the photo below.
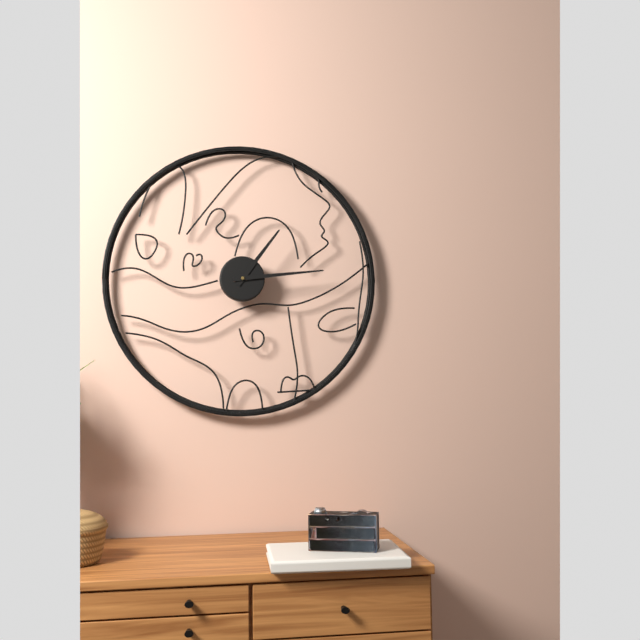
1:14
